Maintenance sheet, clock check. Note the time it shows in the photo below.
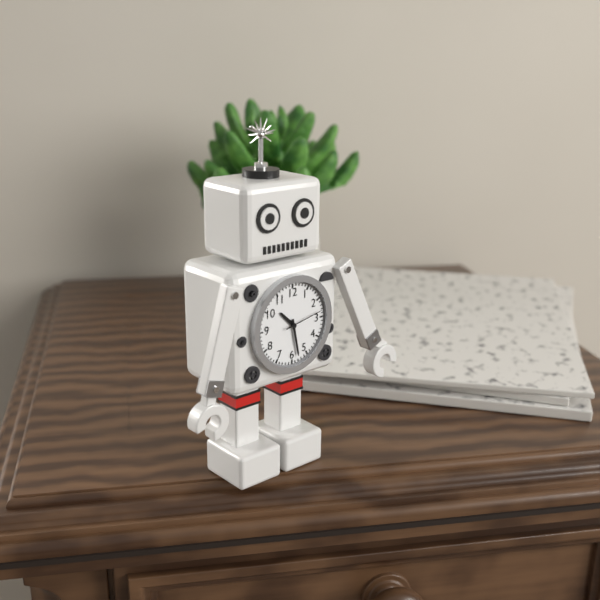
10:28:13
